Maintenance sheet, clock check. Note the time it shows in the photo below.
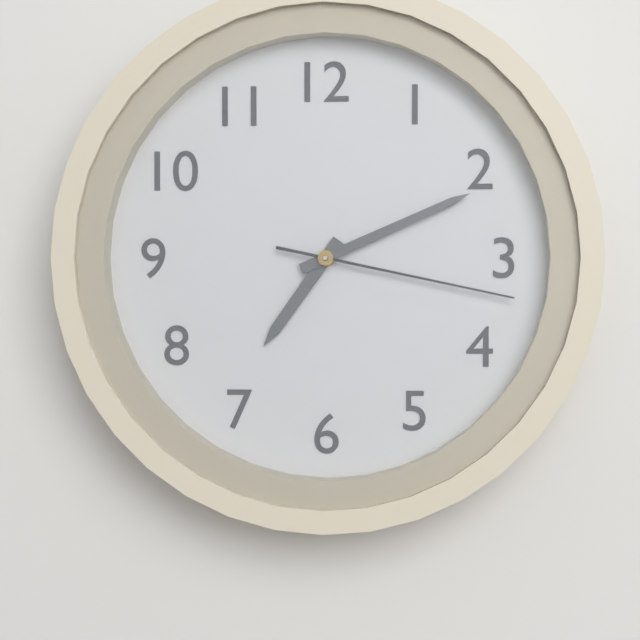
7:11:17
